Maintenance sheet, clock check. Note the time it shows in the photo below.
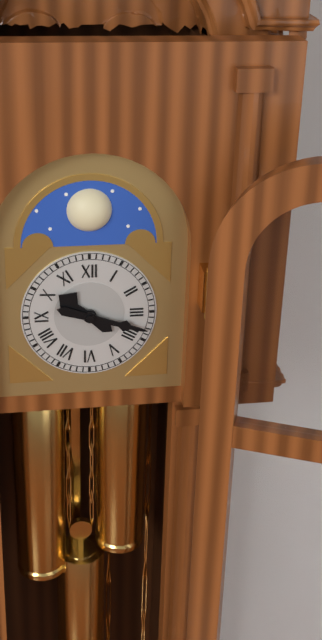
10:18
